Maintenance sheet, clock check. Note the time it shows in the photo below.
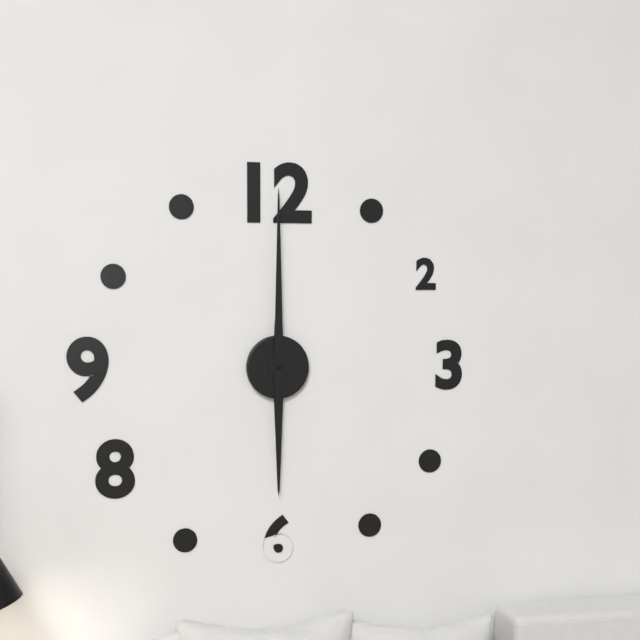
6:00
